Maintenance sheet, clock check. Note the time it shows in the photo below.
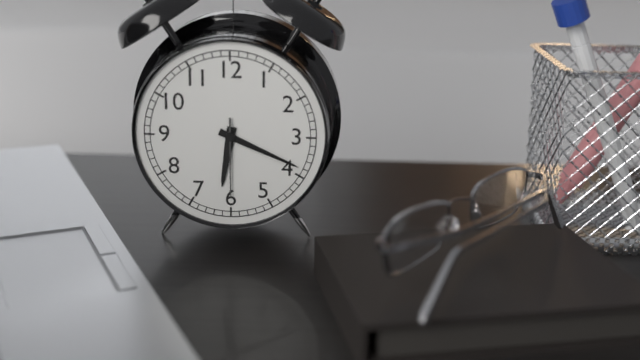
6:19:30
